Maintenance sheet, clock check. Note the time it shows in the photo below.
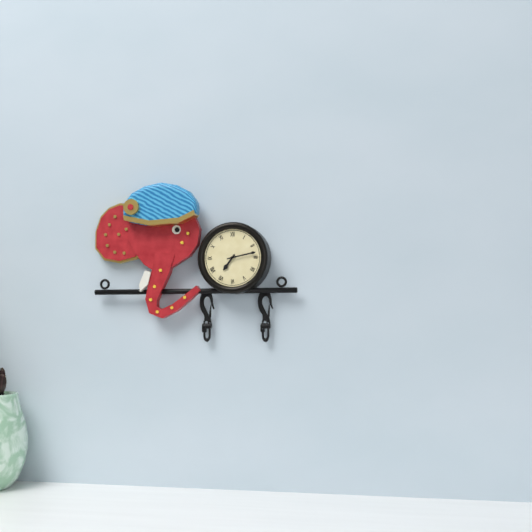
7:13
